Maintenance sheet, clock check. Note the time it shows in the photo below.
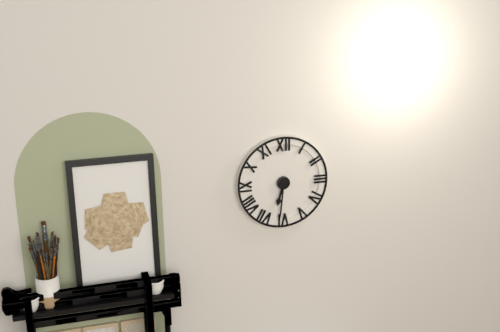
6:31
